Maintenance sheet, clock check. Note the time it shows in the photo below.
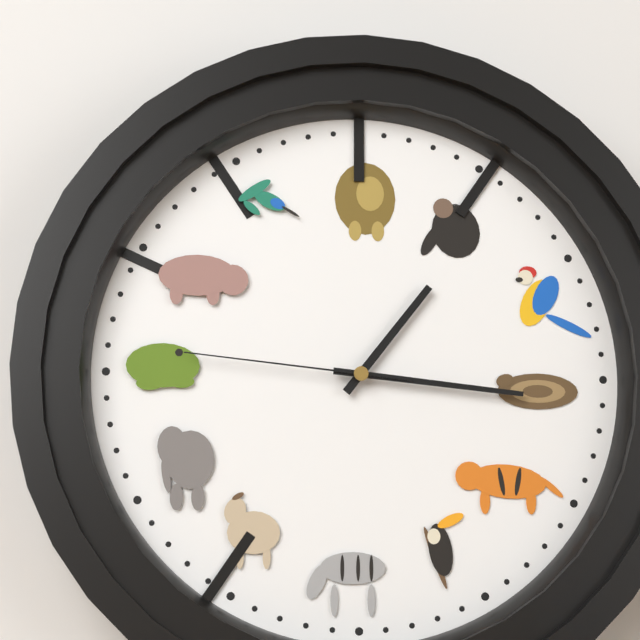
1:16:46
